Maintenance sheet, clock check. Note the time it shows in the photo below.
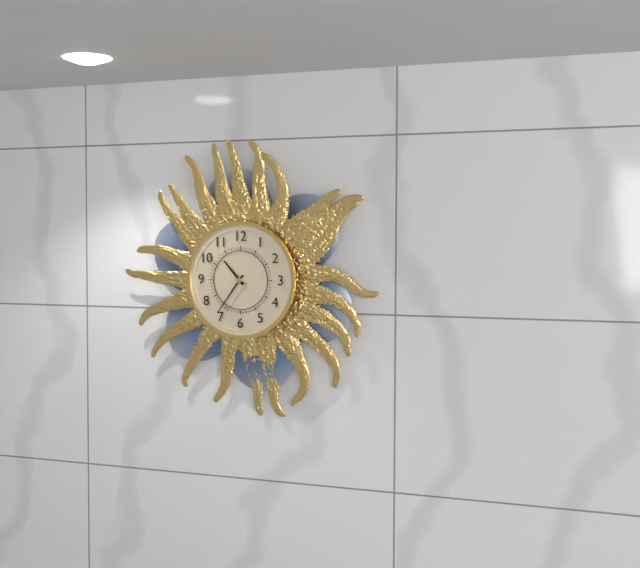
10:36
